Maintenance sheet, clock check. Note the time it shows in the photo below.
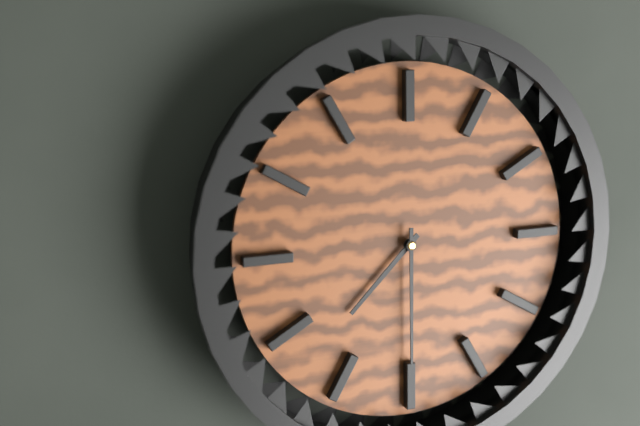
7:30
